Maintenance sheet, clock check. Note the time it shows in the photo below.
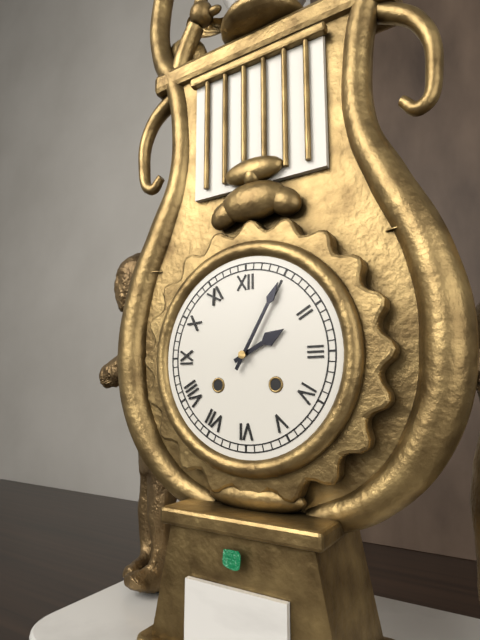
2:05
